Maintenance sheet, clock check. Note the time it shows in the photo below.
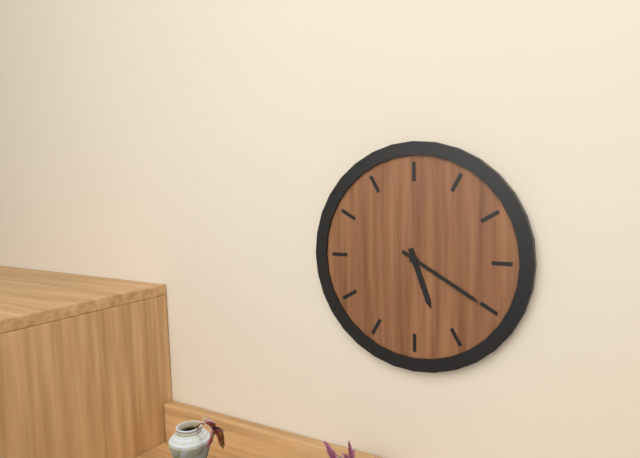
5:20
